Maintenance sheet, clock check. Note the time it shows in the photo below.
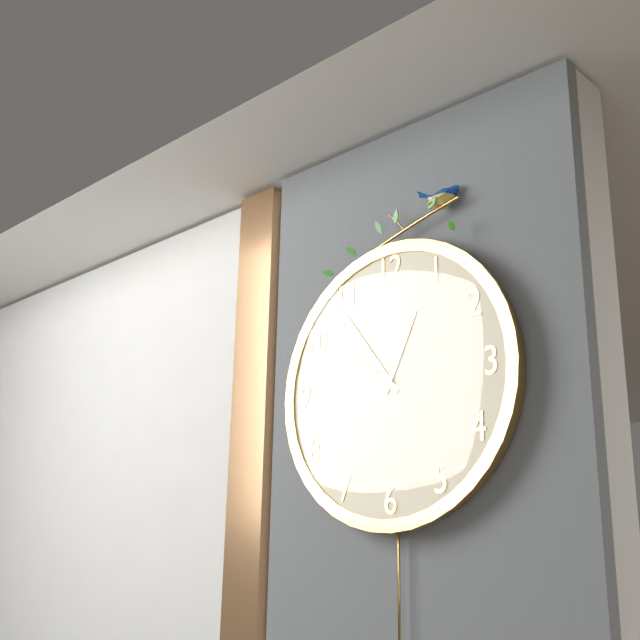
12:54:51
